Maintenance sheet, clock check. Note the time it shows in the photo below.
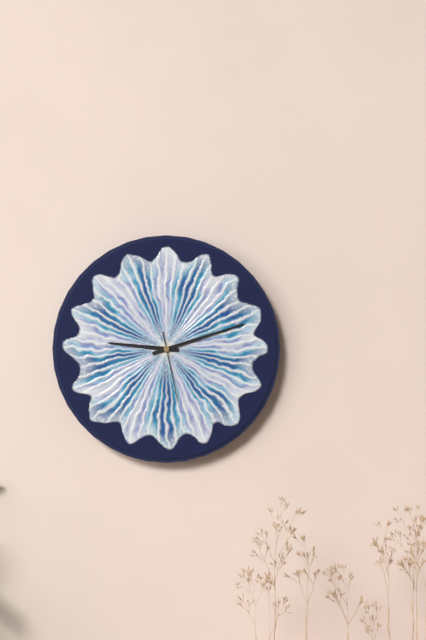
9:12:28
